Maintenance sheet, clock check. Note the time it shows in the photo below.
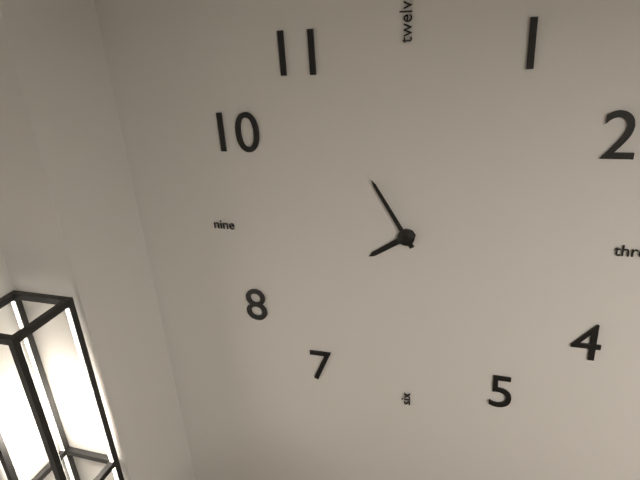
7:55
